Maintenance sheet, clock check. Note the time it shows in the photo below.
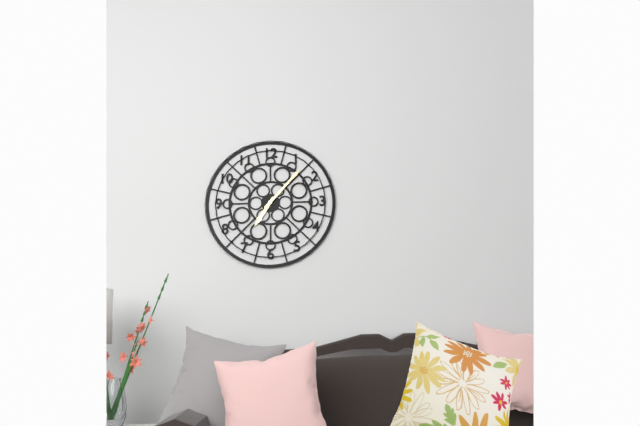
7:07
